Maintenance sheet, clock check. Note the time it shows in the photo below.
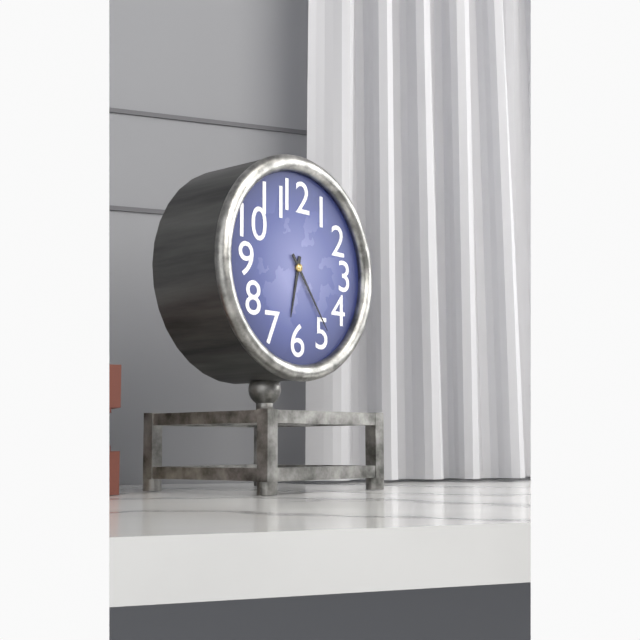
6:24
